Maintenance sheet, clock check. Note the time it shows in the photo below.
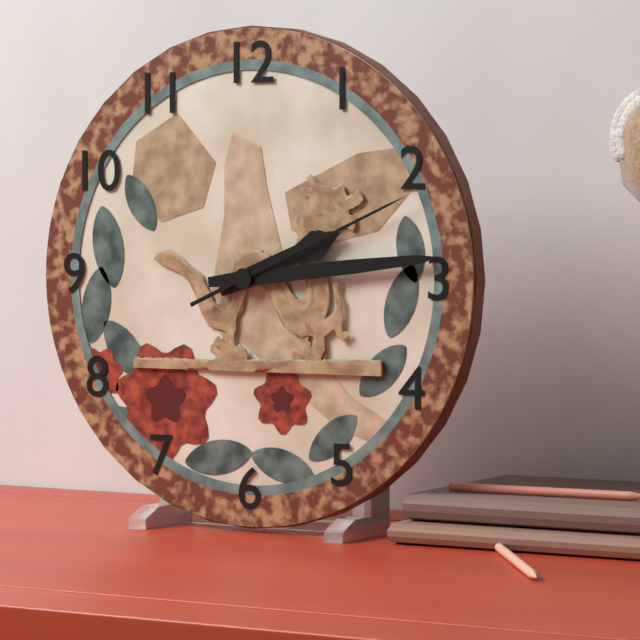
2:14:11
